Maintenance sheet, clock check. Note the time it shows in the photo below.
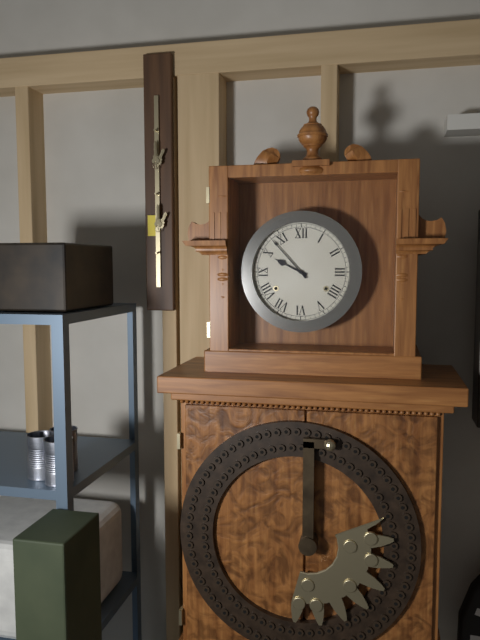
9:53
